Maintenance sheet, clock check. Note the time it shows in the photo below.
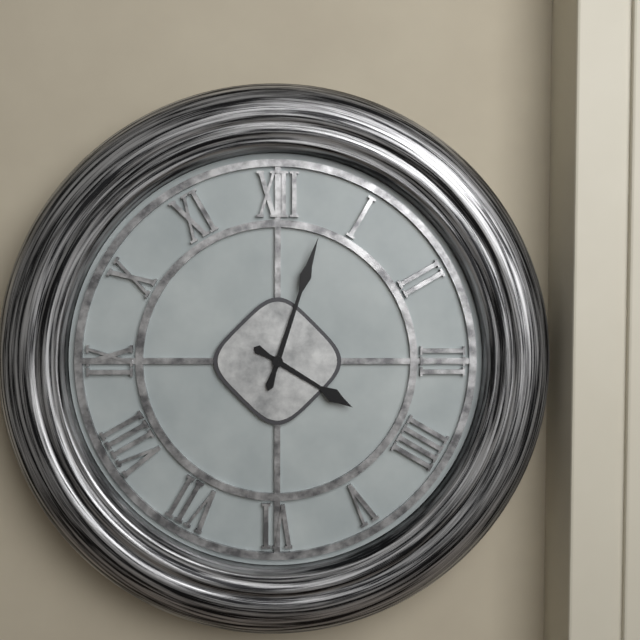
4:03
